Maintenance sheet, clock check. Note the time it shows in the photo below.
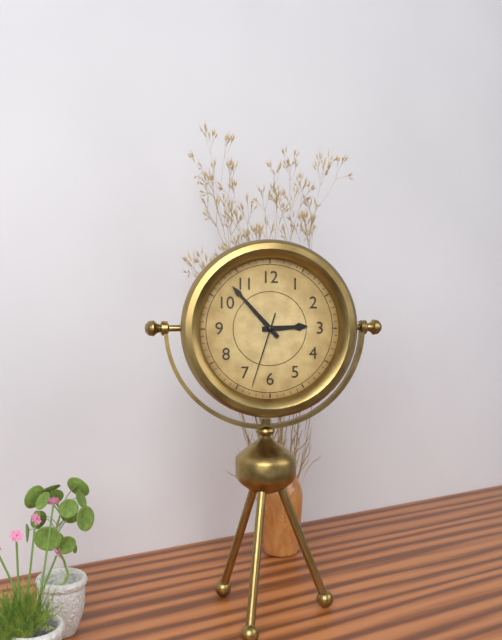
2:53:33
